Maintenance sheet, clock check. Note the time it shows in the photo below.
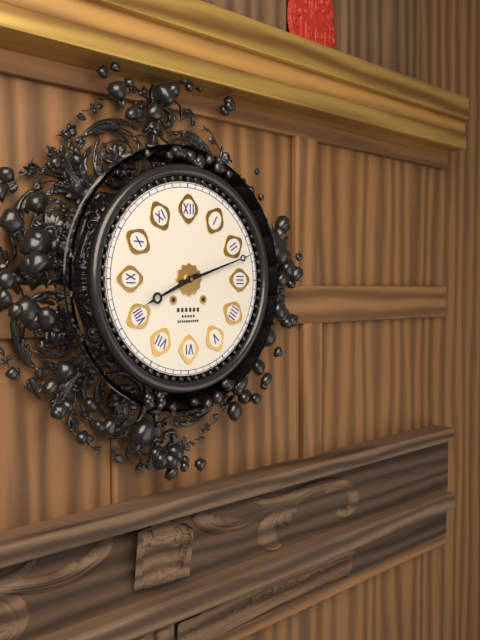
8:12
